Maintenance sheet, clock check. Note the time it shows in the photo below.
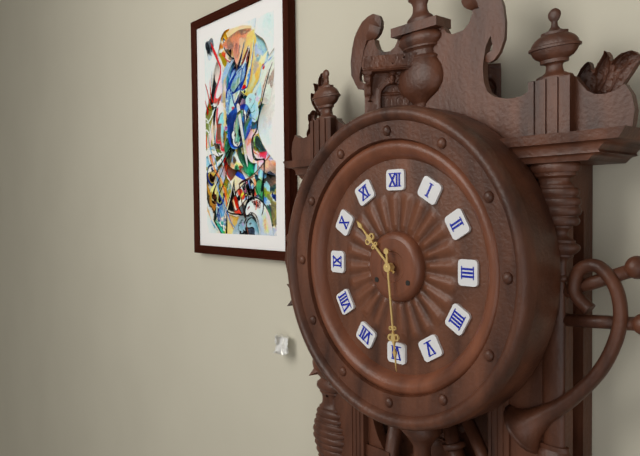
10:29
